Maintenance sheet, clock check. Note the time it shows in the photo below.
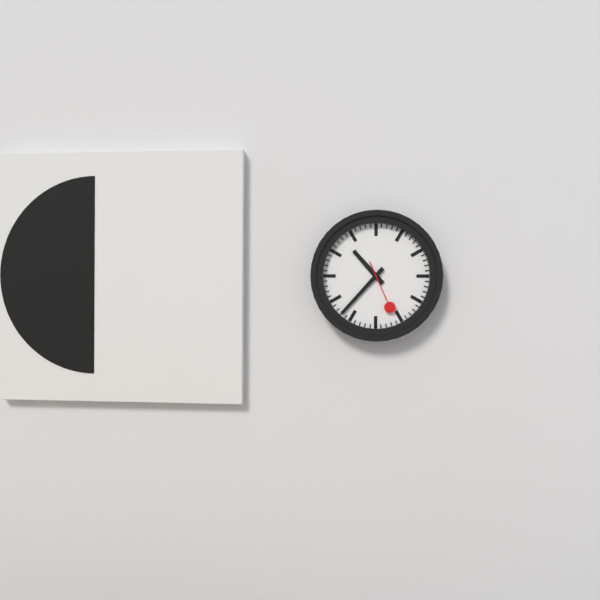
10:37:26
